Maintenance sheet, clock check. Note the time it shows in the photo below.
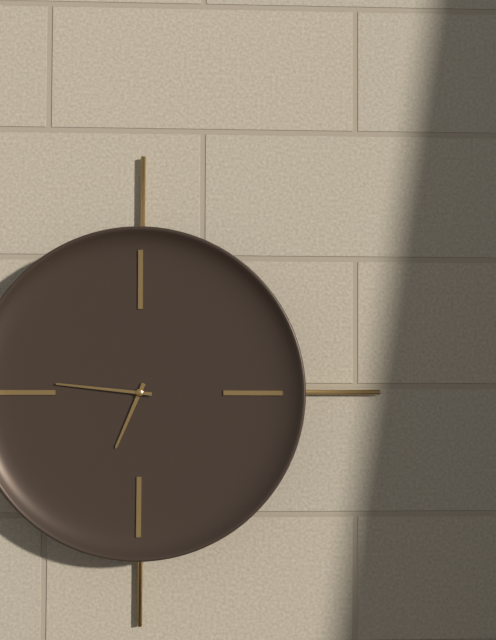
6:46
